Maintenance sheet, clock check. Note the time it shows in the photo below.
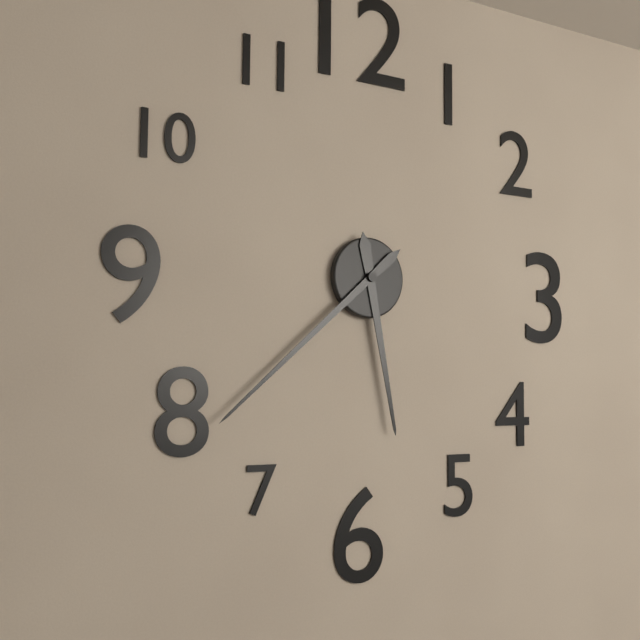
5:38
